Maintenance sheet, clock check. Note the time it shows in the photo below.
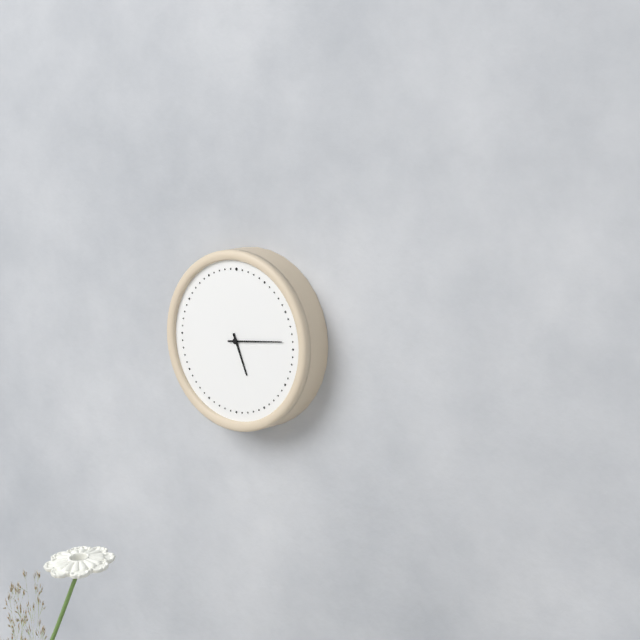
5:14
